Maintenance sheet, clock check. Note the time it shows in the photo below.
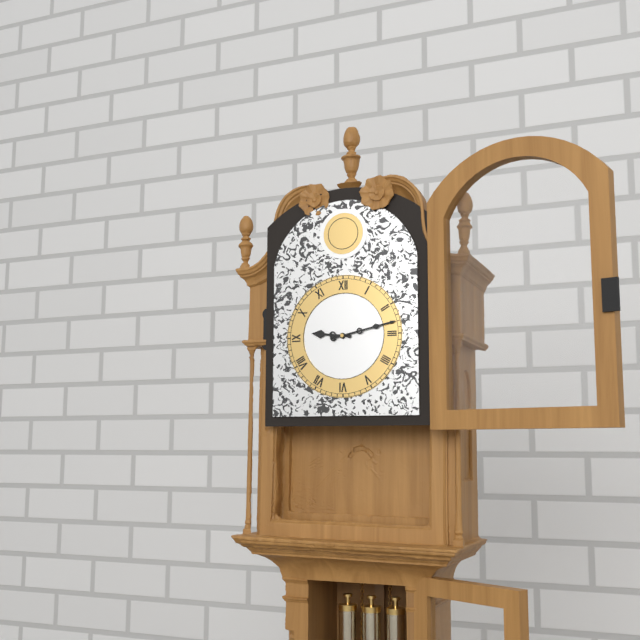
9:13
